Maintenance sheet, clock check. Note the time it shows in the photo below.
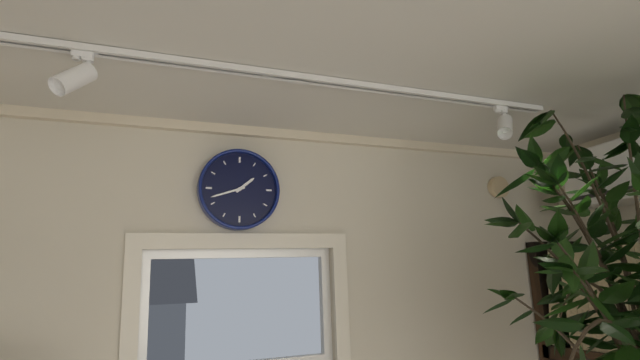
1:42
